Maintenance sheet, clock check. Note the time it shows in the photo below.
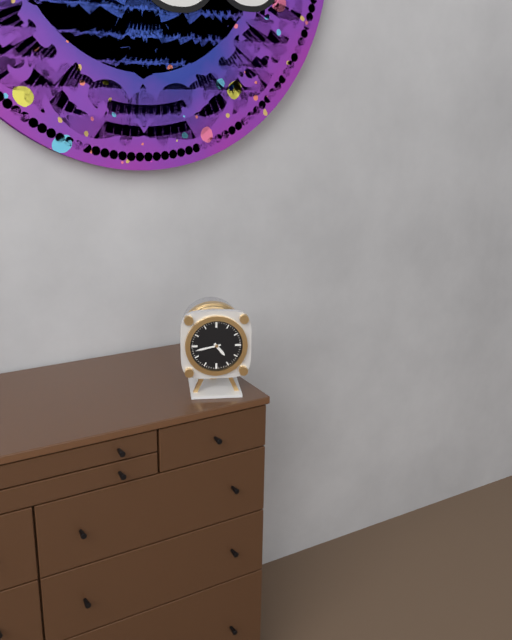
4:43
